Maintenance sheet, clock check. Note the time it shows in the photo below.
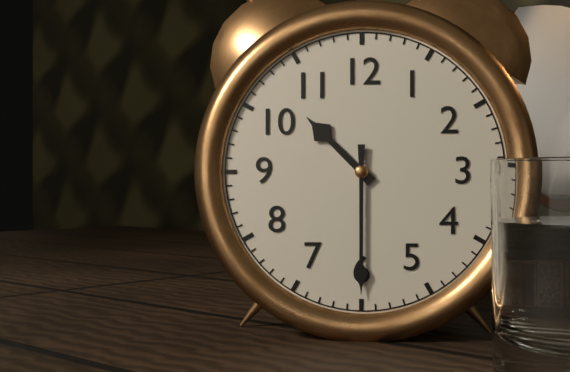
10:30
